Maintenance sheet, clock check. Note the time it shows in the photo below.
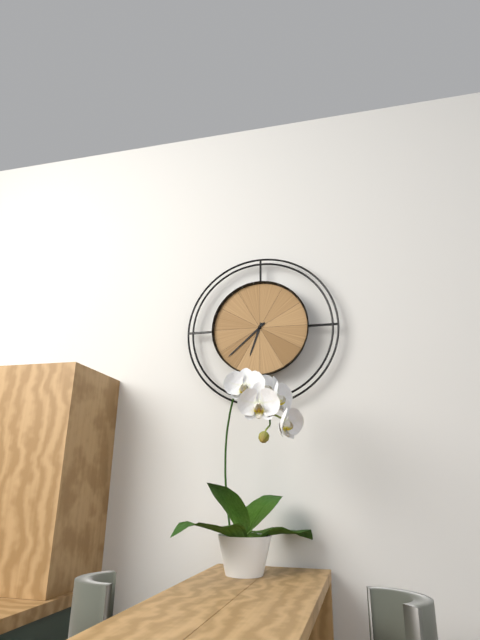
6:38
